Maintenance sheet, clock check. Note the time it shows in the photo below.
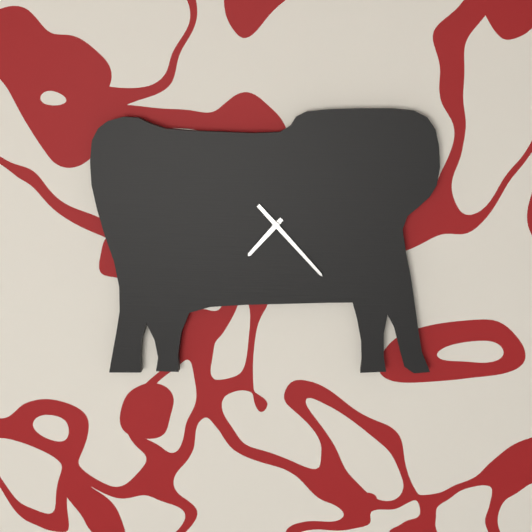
7:23
